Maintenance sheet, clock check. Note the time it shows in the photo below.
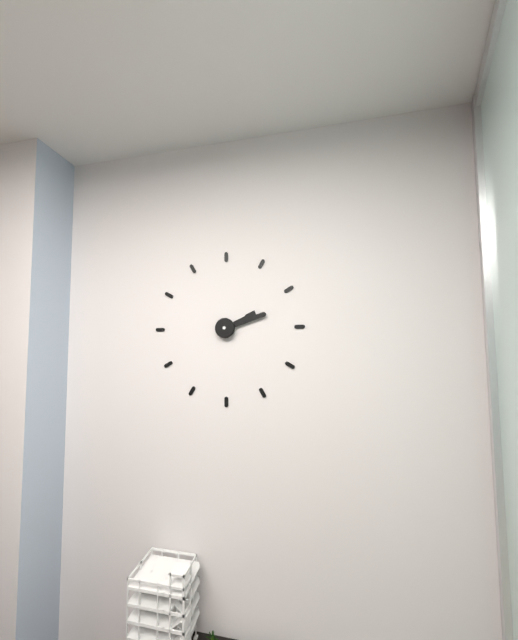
2:12
